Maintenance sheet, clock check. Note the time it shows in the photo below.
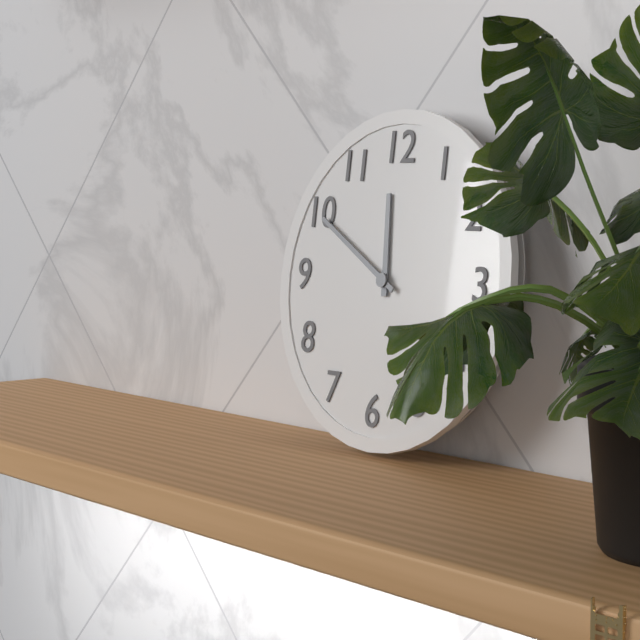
11:50
